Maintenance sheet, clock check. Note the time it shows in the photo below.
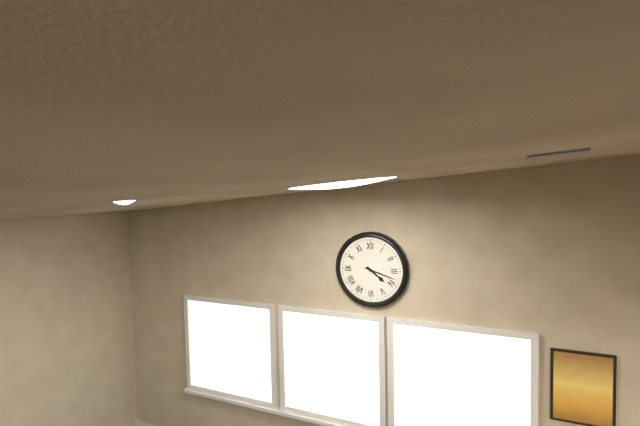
4:18
